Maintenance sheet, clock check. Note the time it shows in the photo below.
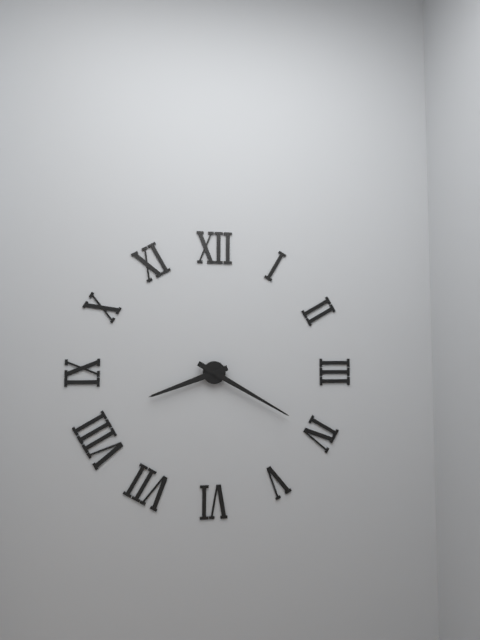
8:20
